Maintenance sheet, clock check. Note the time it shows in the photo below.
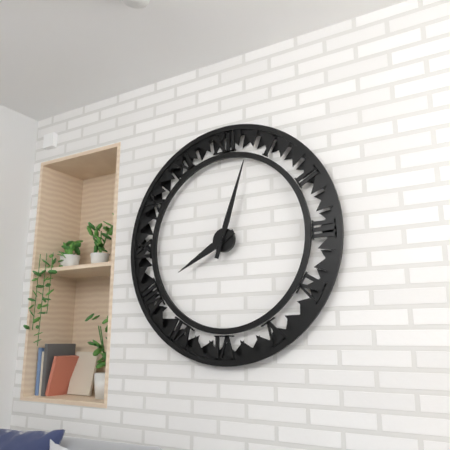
8:03
